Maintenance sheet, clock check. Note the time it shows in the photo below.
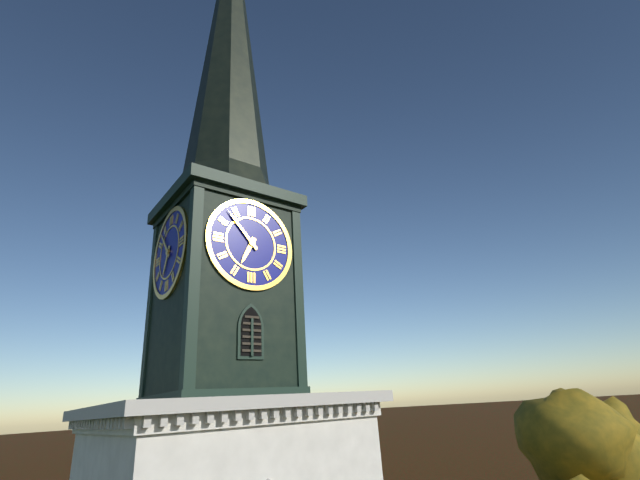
6:53
